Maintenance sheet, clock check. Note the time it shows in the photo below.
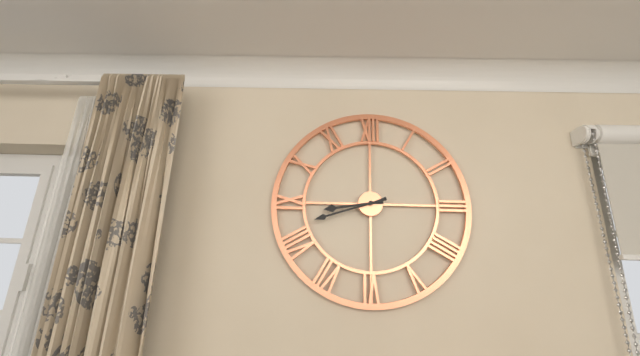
8:42
